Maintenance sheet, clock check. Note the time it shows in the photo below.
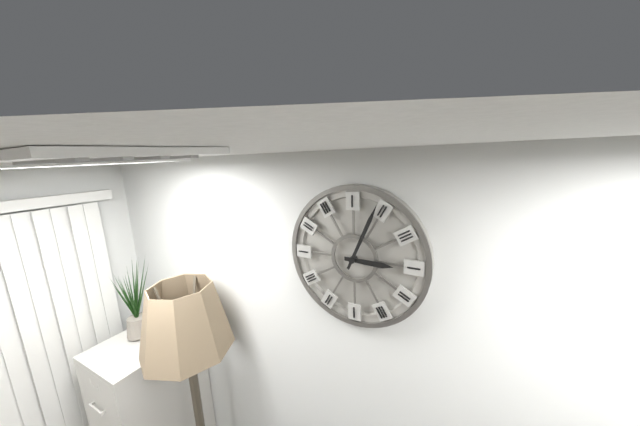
3:04
